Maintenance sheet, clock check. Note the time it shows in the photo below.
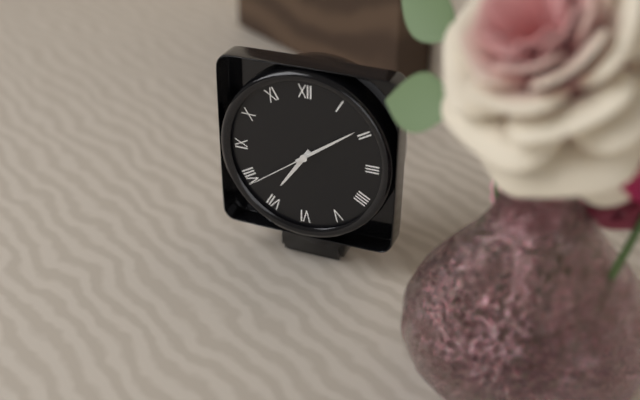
7:09:39
